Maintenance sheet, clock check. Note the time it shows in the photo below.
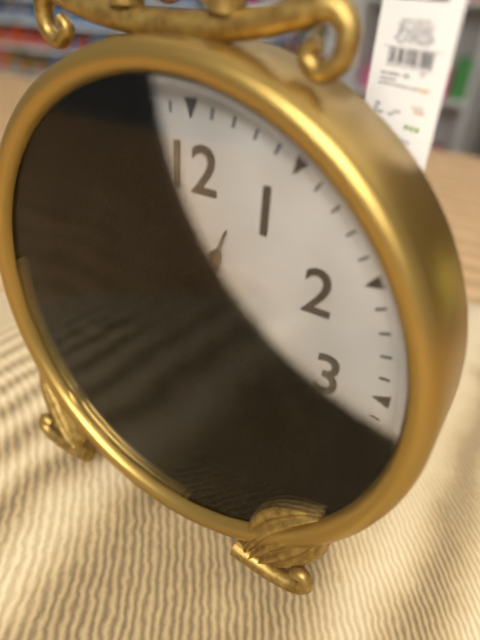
12:41
